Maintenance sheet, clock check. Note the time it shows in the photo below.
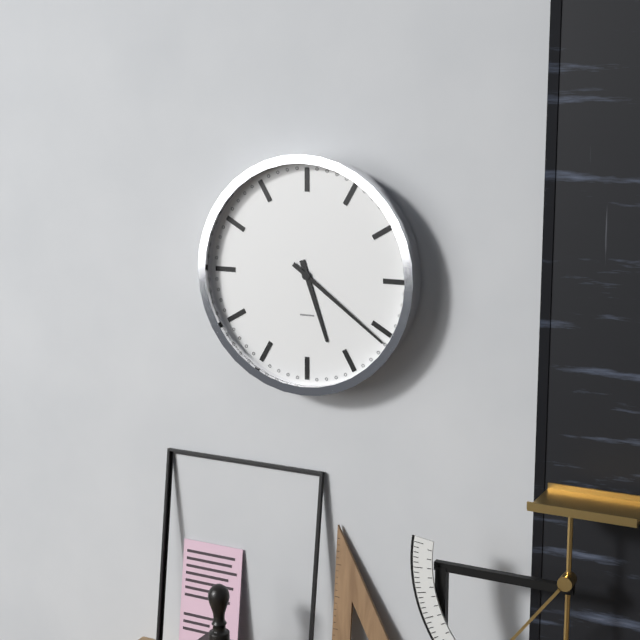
5:21
